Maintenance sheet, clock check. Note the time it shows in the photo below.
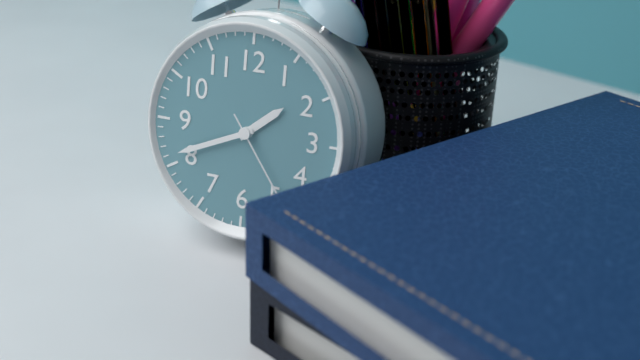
1:41:24
